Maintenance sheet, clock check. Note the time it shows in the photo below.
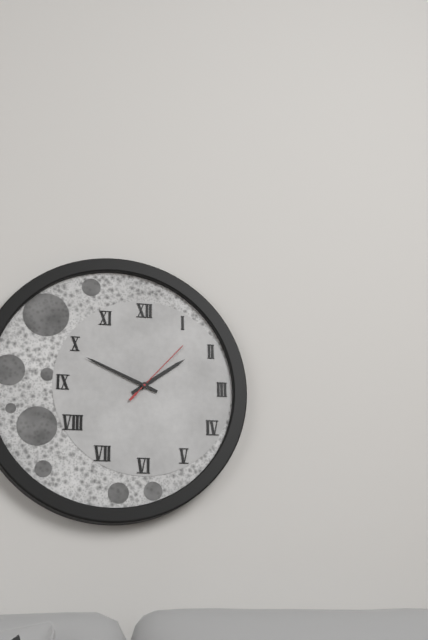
1:49:07
